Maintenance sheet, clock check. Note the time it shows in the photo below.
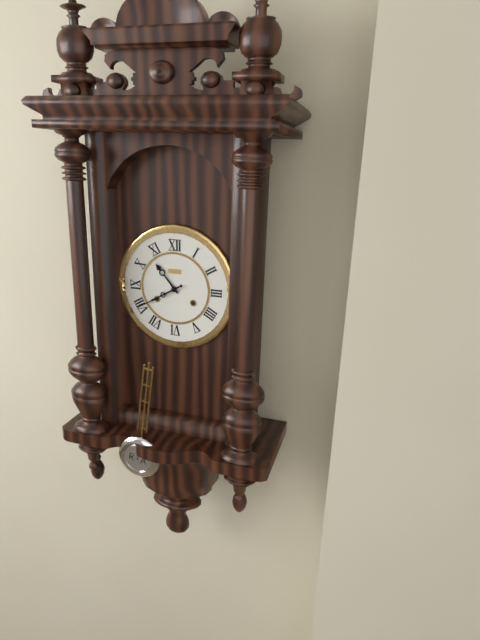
10:40
